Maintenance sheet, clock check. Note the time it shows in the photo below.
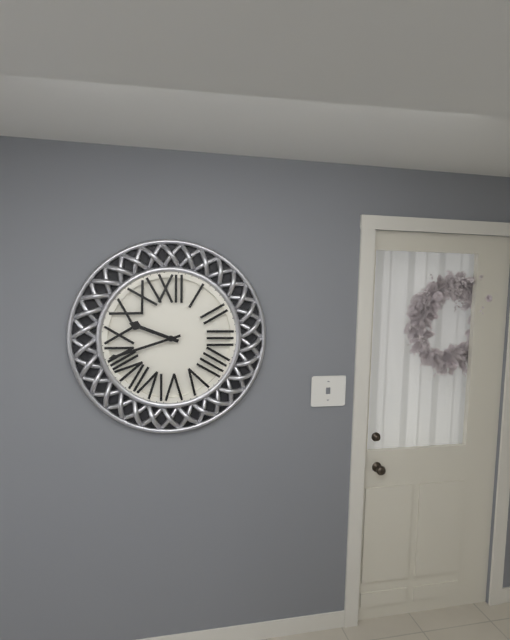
9:42
